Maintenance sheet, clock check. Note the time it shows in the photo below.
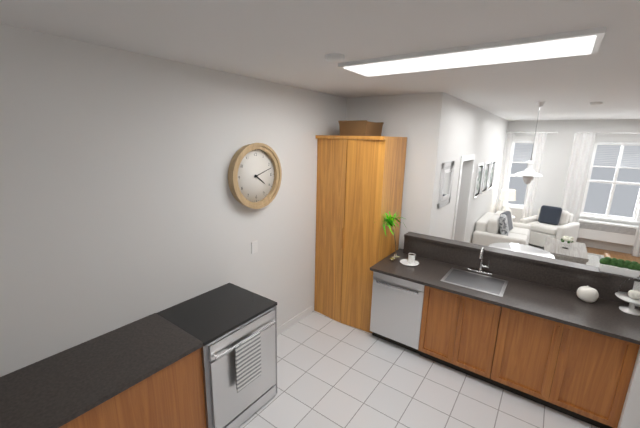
4:12
